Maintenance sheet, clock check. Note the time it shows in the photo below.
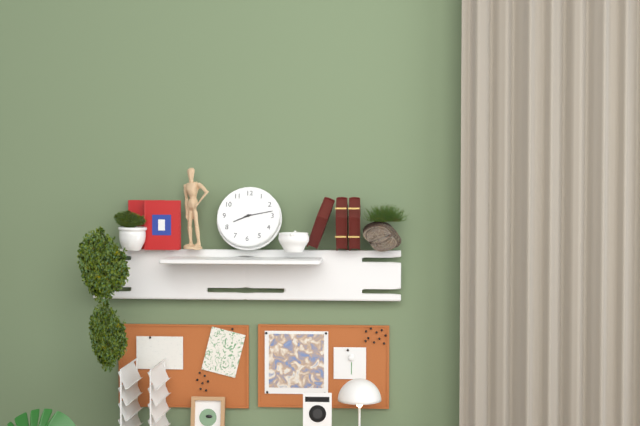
8:13
